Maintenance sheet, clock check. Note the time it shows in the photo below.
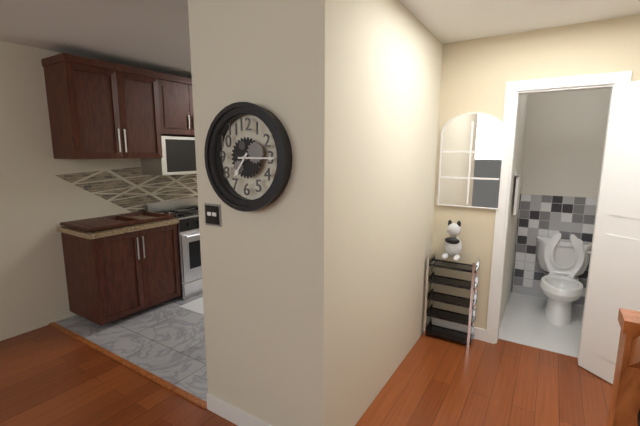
7:15
